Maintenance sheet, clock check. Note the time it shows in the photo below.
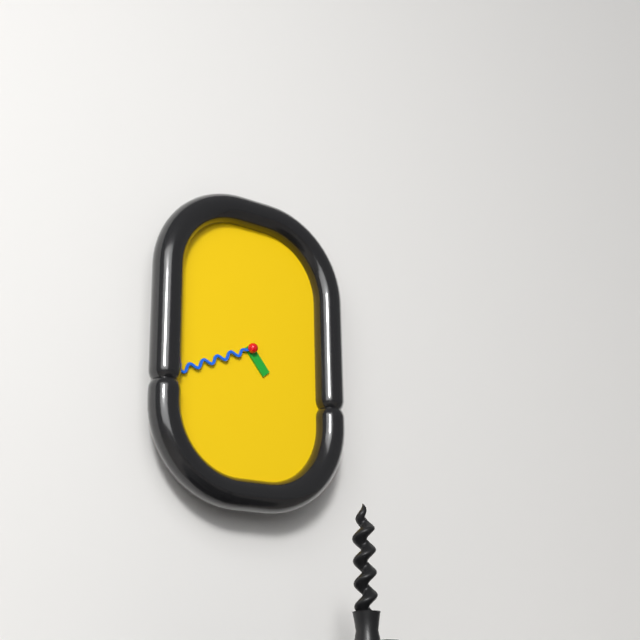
4:41
